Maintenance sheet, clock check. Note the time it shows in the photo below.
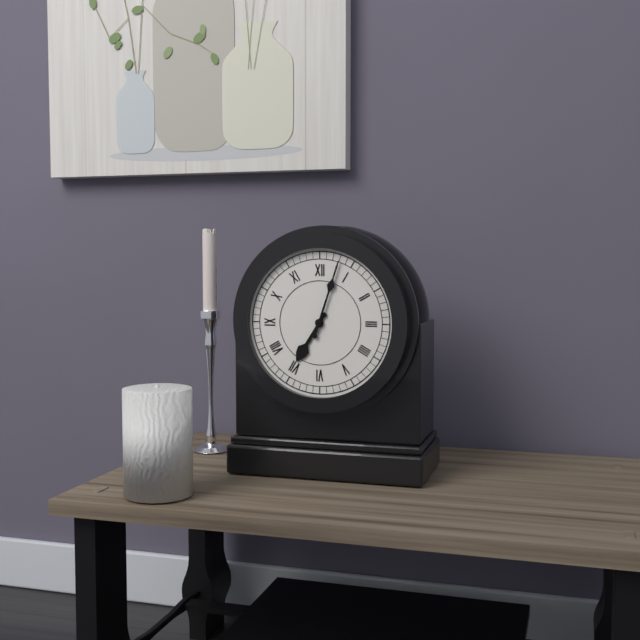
7:03
